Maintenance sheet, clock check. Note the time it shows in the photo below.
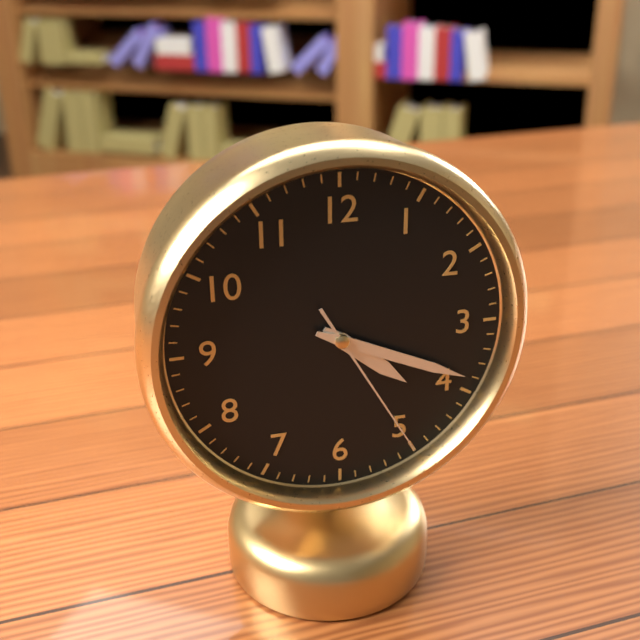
4:19:25
